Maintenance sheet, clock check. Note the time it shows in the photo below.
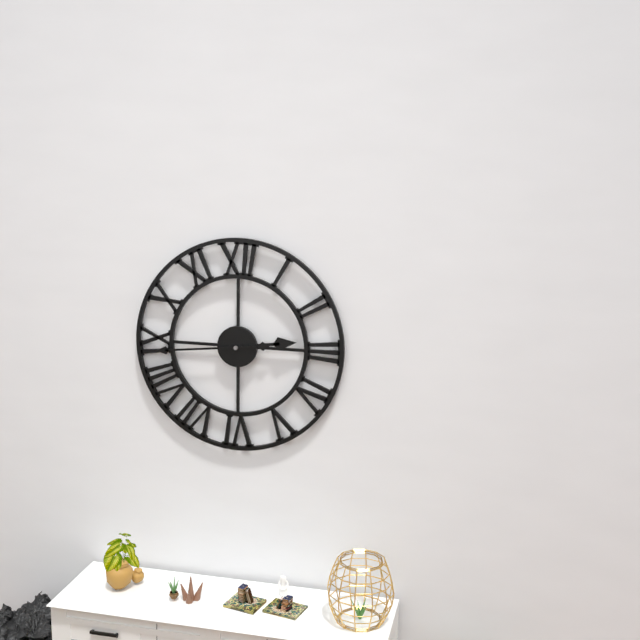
2:44
